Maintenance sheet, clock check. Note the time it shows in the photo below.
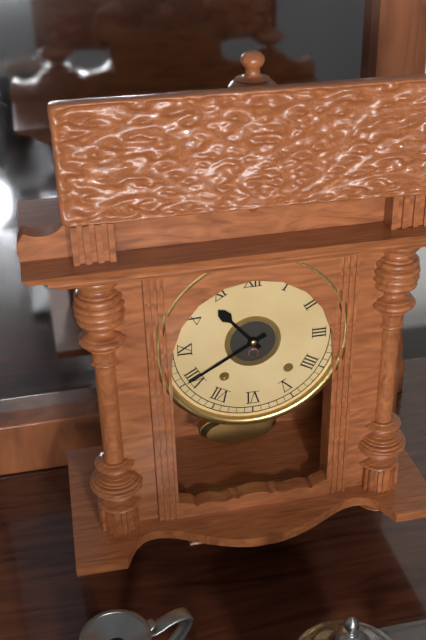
10:40
